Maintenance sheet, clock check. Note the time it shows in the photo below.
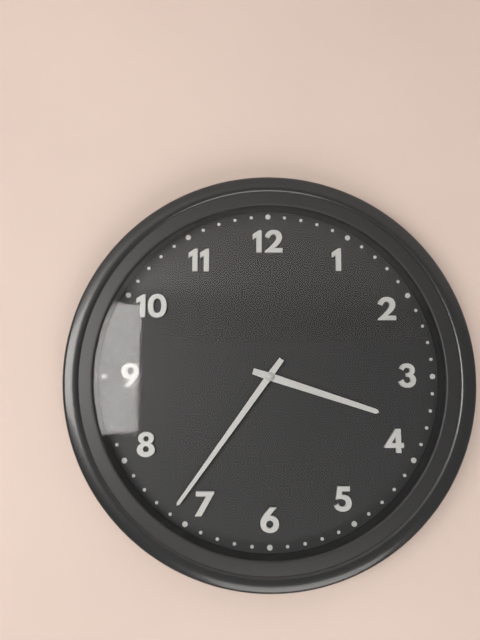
3:36
